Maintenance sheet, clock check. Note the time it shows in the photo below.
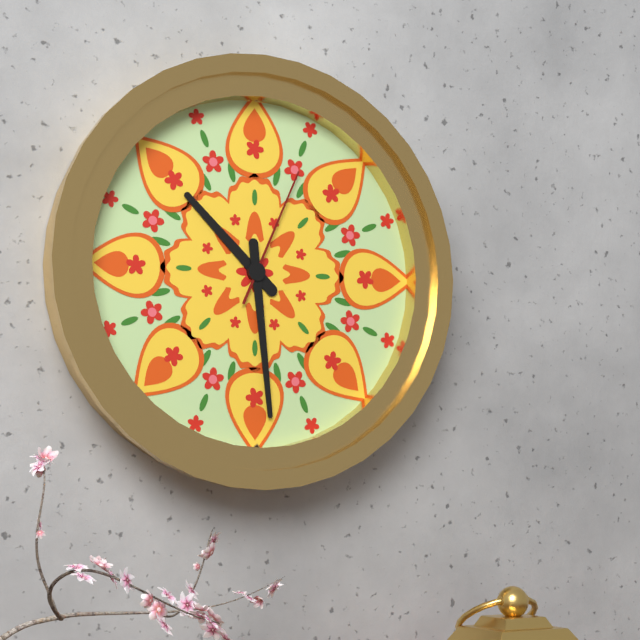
10:29:04
